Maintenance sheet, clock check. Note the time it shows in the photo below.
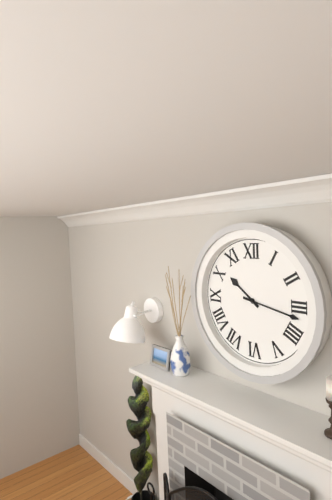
10:17
